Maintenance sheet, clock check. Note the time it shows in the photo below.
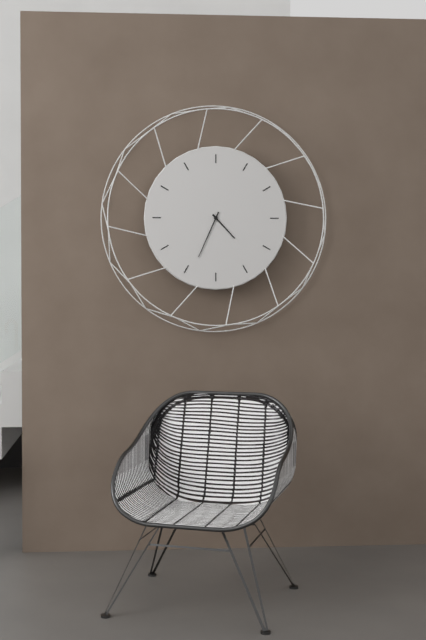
4:34
